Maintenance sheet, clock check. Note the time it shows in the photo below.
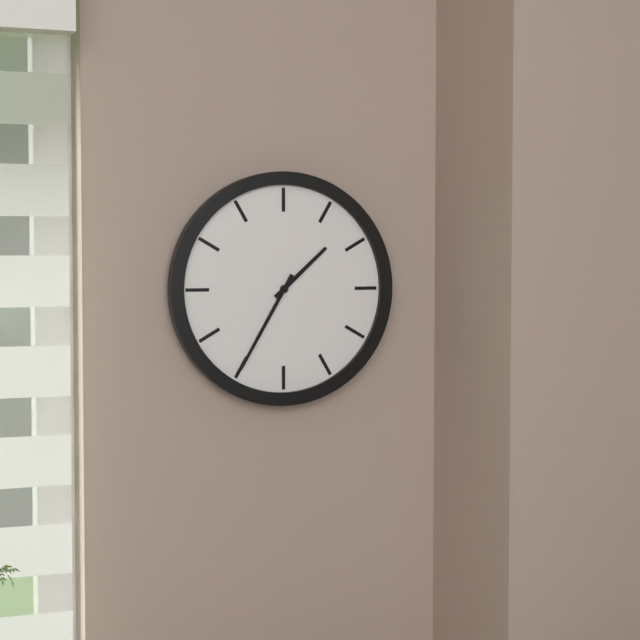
1:35
